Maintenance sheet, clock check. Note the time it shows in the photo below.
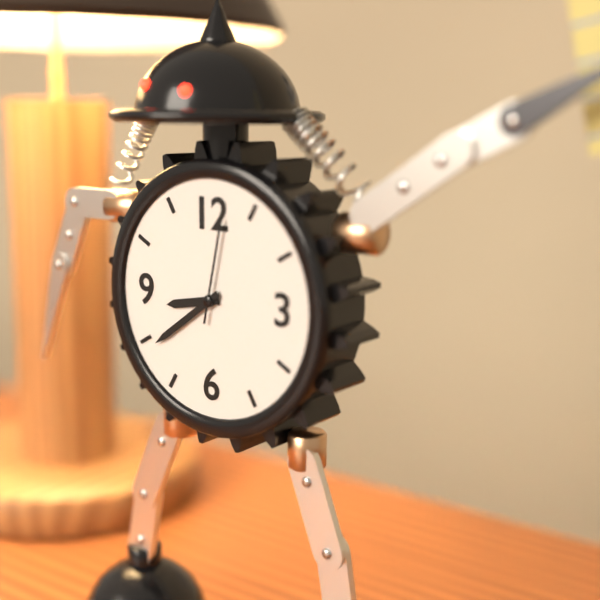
8:39:02
